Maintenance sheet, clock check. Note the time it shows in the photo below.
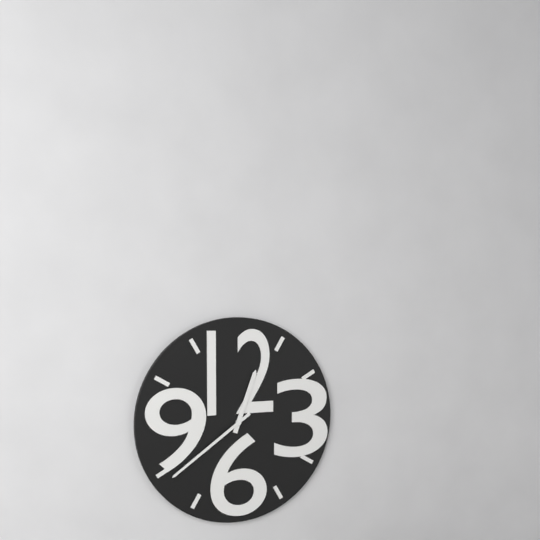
12:39
